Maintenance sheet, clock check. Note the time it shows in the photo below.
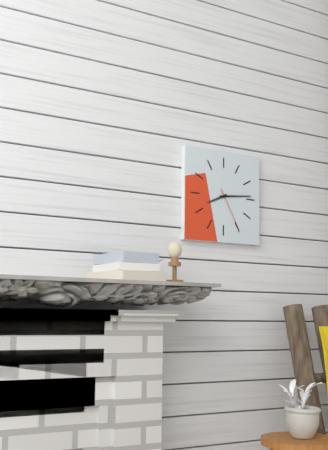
8:14
